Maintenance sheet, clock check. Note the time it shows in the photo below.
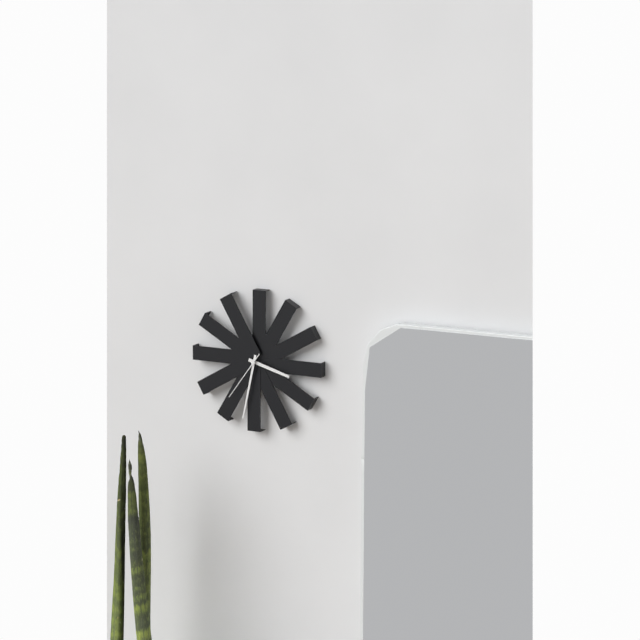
3:32:36
